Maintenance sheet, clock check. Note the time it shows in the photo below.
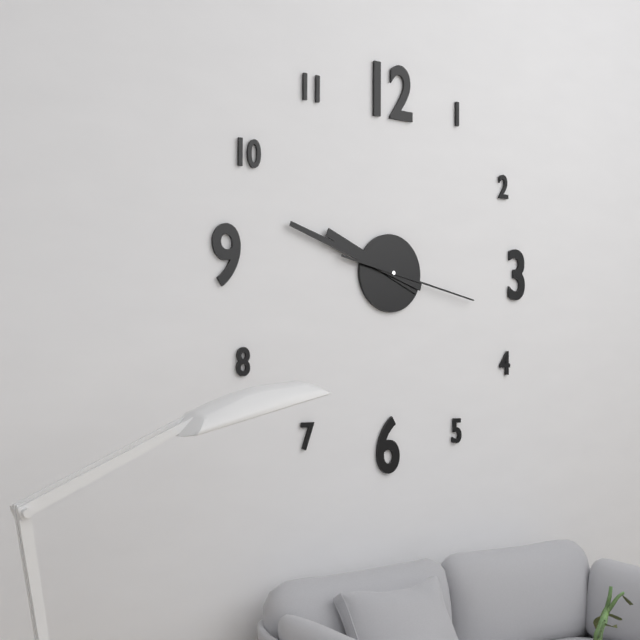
9:48:17
